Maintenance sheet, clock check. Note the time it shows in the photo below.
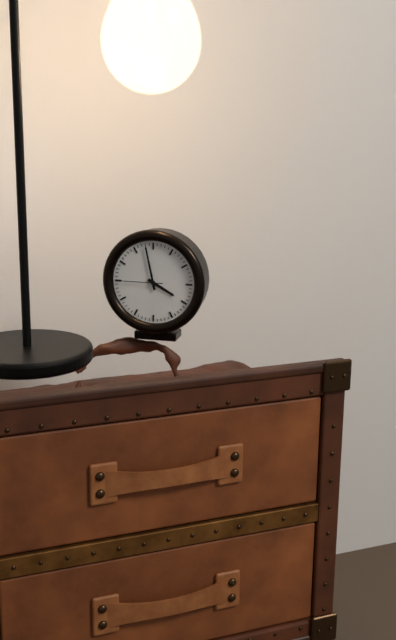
3:58
